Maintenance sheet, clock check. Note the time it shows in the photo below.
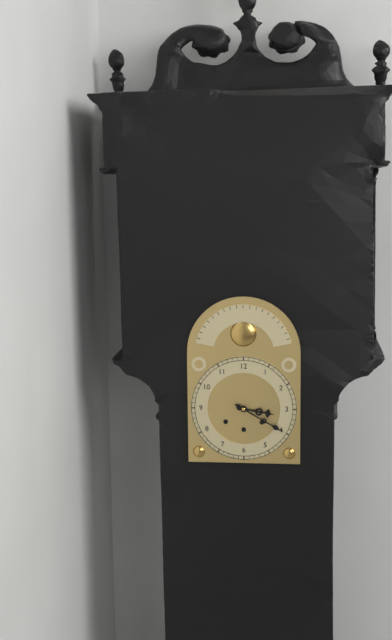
3:20
